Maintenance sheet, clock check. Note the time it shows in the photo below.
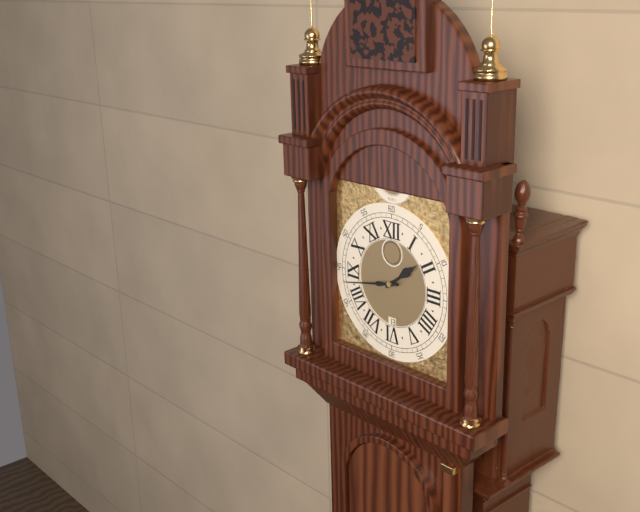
1:43
